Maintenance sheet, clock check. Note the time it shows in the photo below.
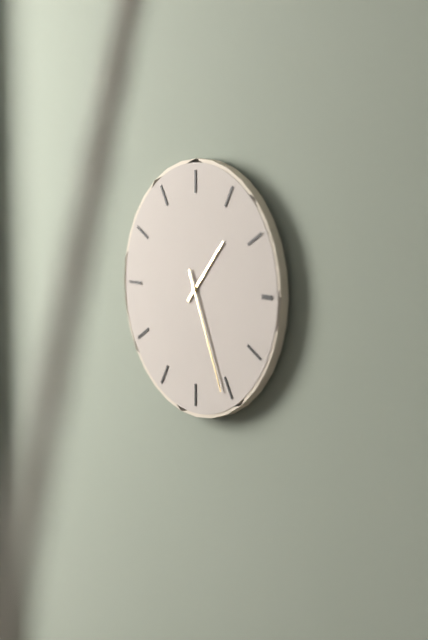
1:26
